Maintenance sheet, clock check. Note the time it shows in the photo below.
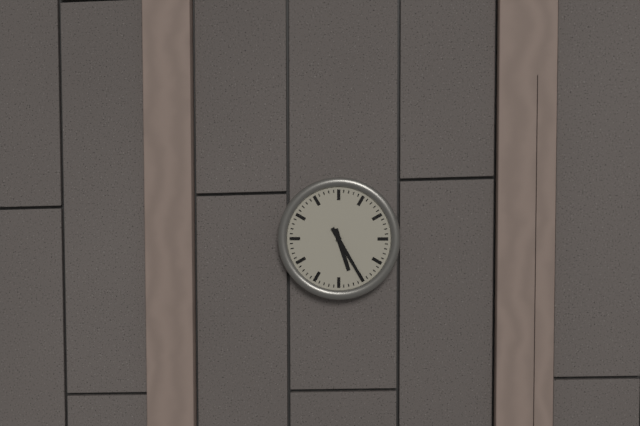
5:25
